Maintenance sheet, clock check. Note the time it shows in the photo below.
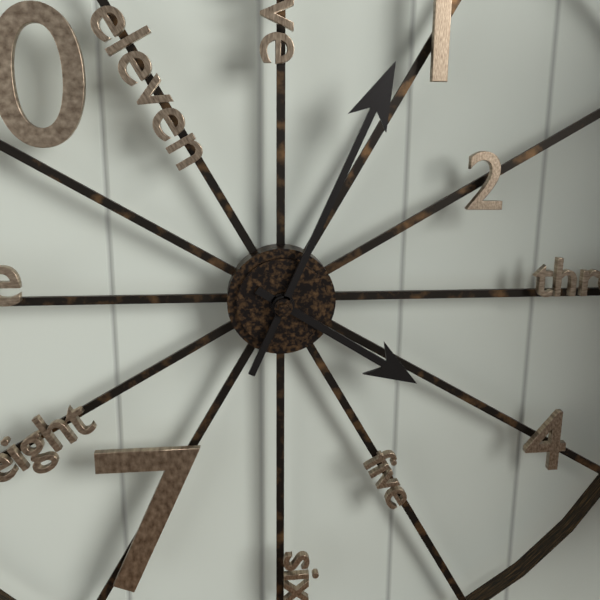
4:04
